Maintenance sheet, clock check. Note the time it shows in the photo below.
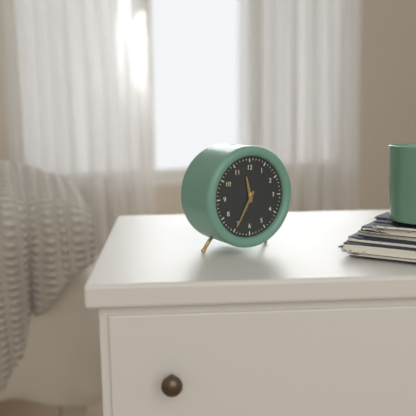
11:35
